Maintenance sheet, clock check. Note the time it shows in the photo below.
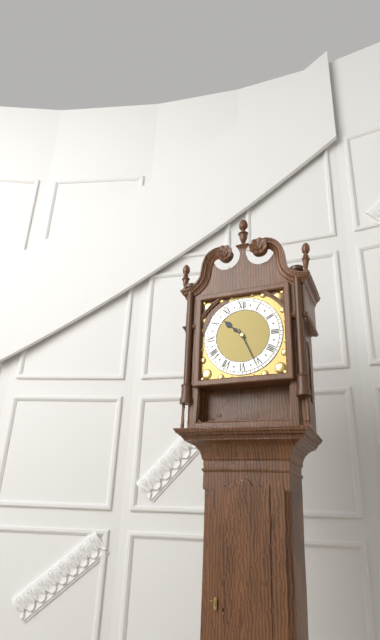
10:26
